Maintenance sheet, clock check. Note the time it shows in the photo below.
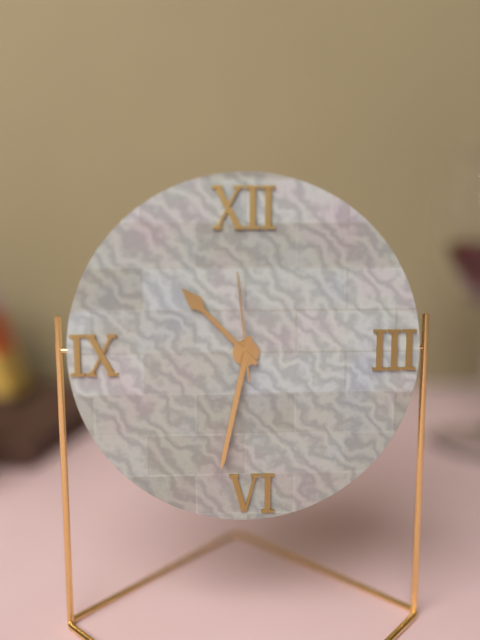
10:32:59
